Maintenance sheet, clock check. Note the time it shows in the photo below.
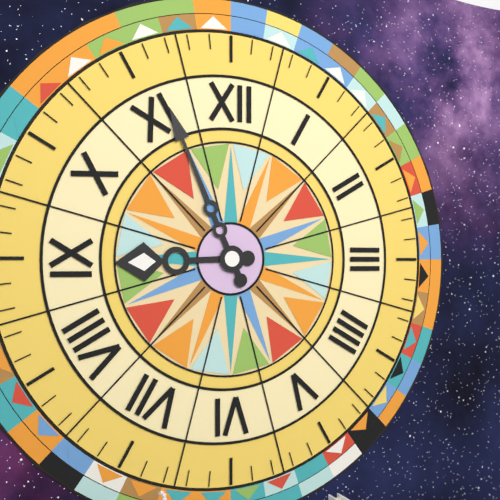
8:56
